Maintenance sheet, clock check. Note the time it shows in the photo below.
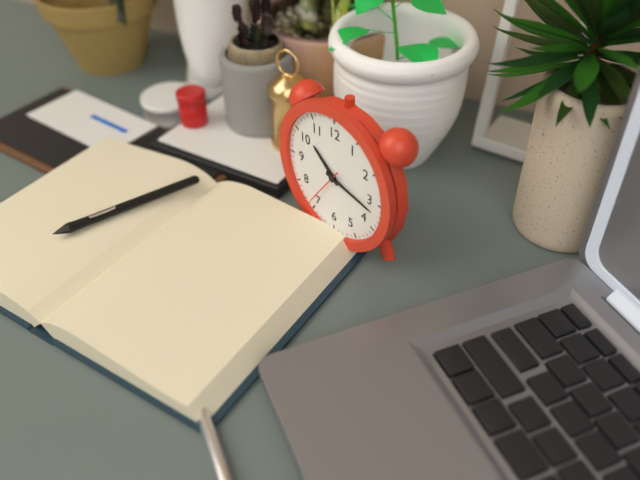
10:17
